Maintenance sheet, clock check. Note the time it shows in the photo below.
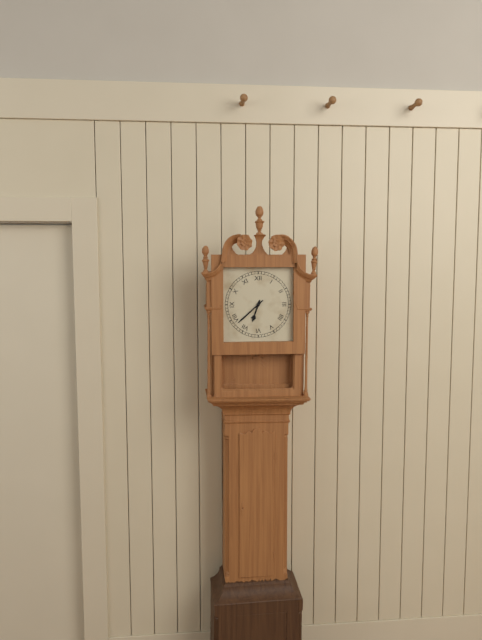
6:38
